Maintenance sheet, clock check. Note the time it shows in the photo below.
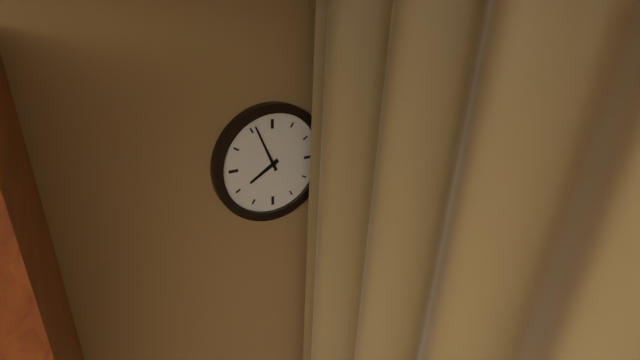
7:56
